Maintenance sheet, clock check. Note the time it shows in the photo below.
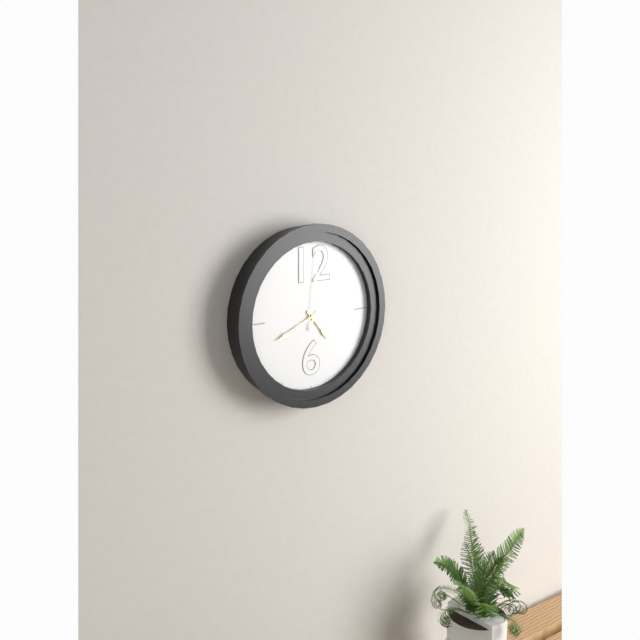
4:41:01
